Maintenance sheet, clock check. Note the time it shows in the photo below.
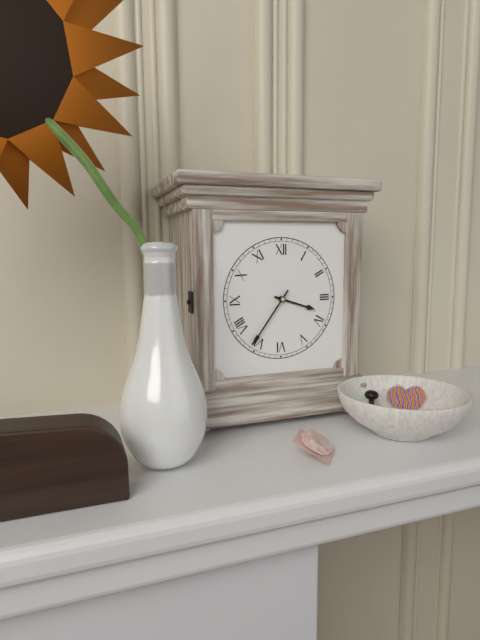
3:36
